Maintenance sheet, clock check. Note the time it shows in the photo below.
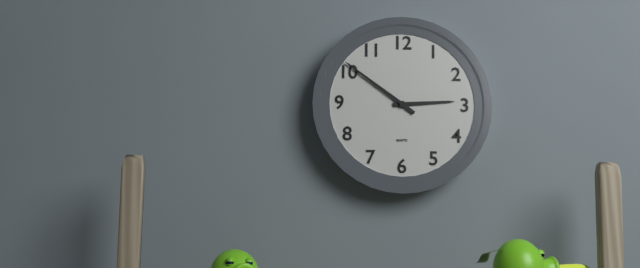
2:51
